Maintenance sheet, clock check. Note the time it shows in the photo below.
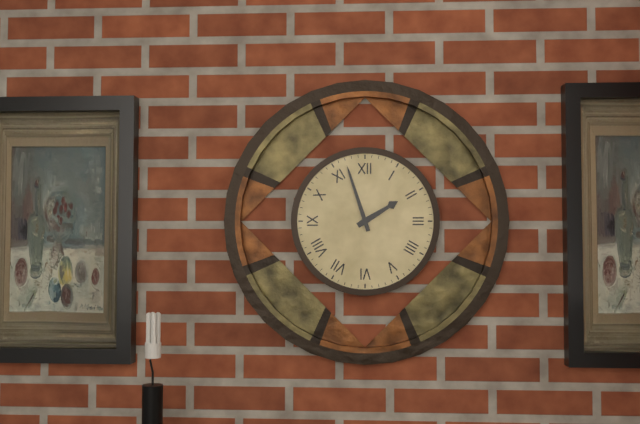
1:57
